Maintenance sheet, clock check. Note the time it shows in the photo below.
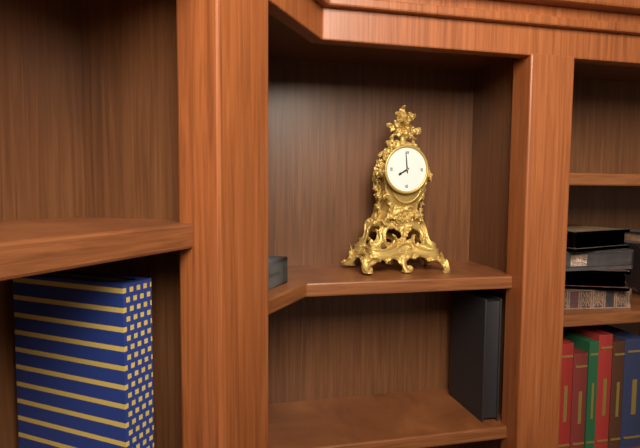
7:59
